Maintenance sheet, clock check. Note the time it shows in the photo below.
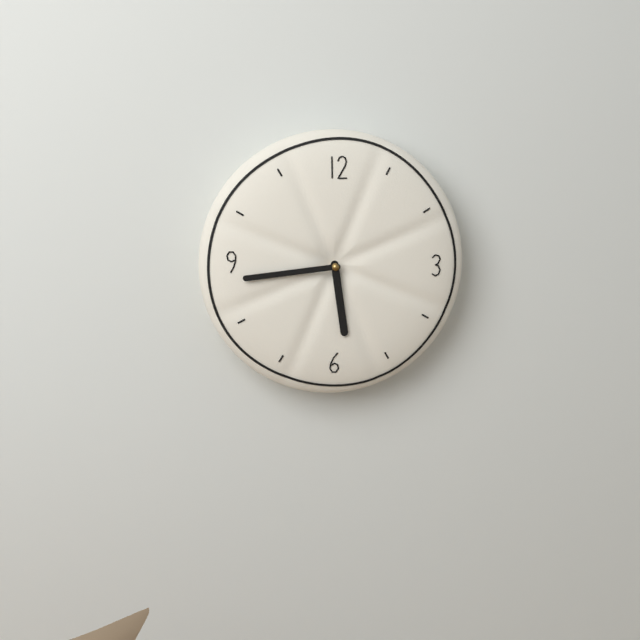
5:44
